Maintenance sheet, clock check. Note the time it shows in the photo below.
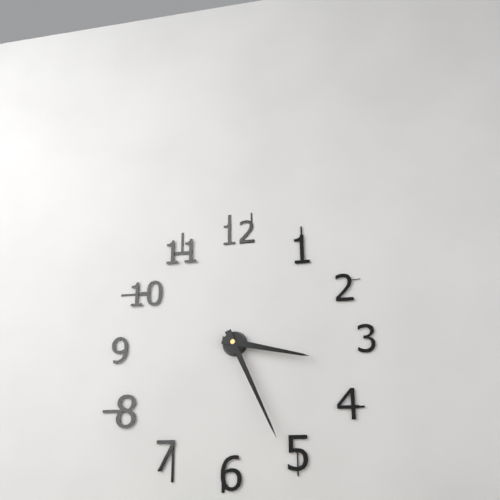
3:26
